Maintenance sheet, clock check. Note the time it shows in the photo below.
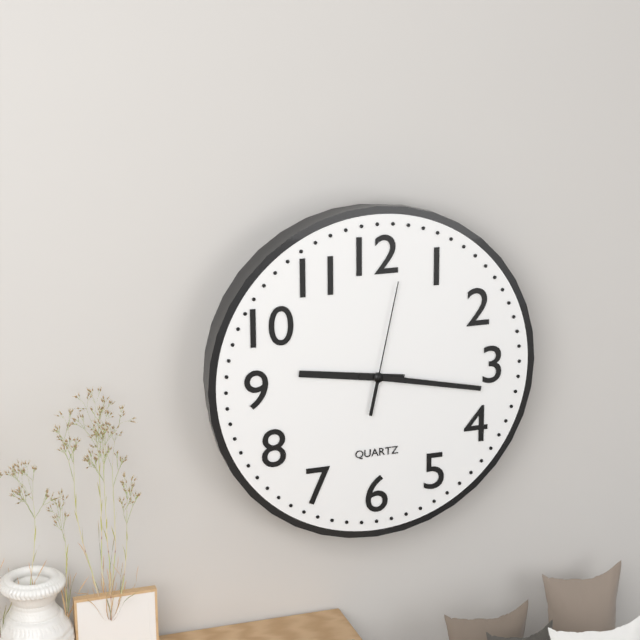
9:17:02
